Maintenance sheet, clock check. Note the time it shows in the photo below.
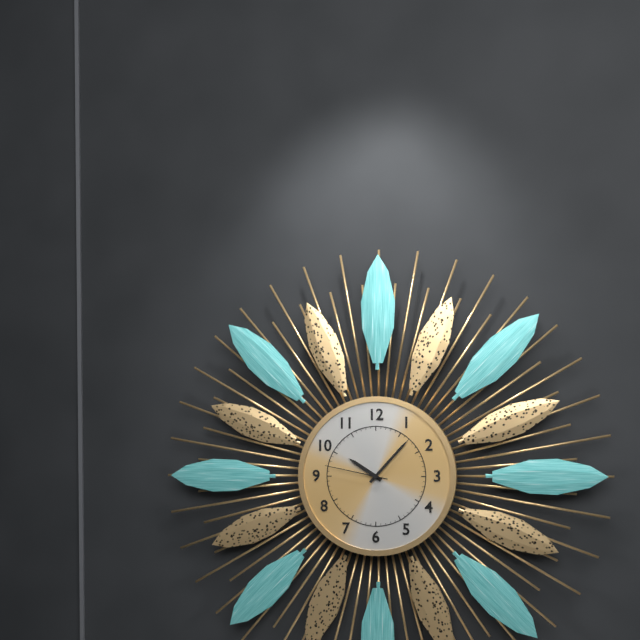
10:07:47
